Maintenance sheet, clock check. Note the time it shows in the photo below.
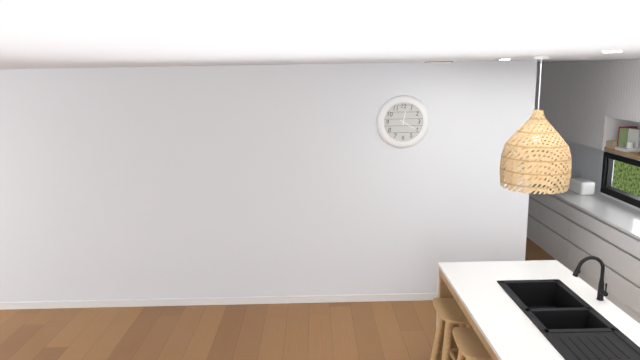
12:20
